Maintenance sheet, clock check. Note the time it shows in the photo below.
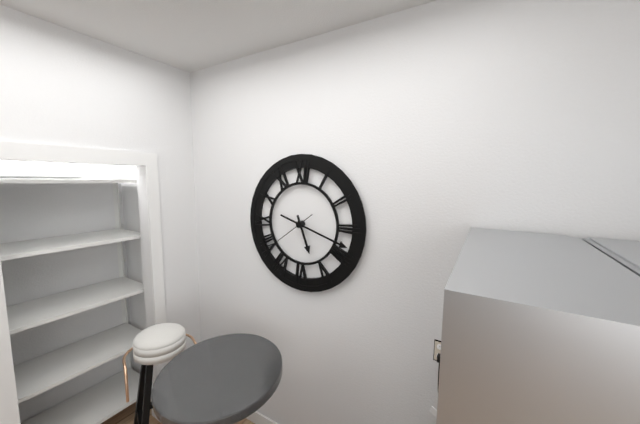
5:18:39
